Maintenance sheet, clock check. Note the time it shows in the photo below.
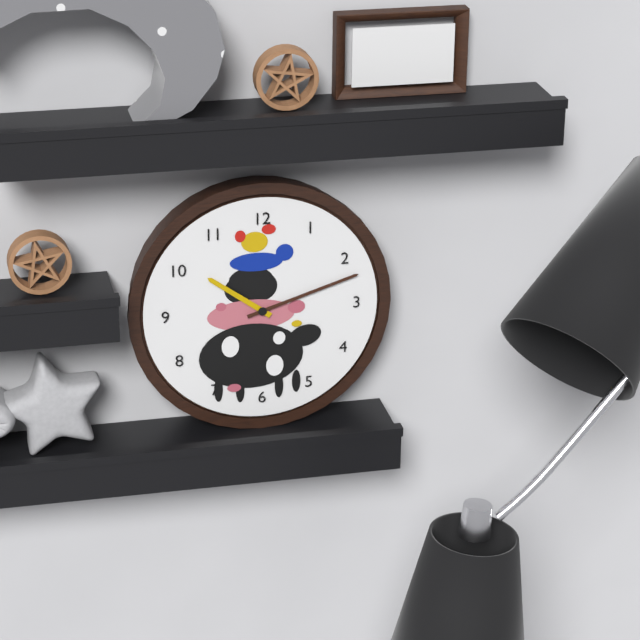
10:12
